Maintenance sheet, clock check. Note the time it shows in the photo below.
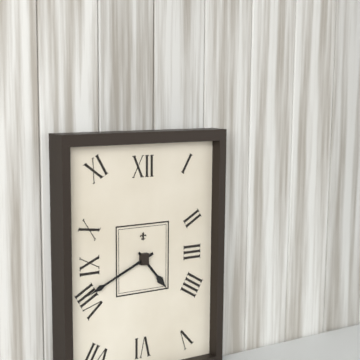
4:41
